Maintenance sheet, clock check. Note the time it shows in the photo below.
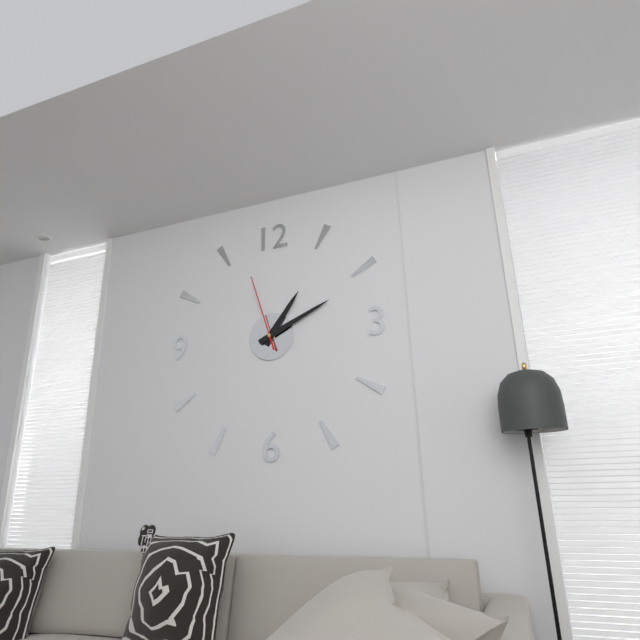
1:11:57
